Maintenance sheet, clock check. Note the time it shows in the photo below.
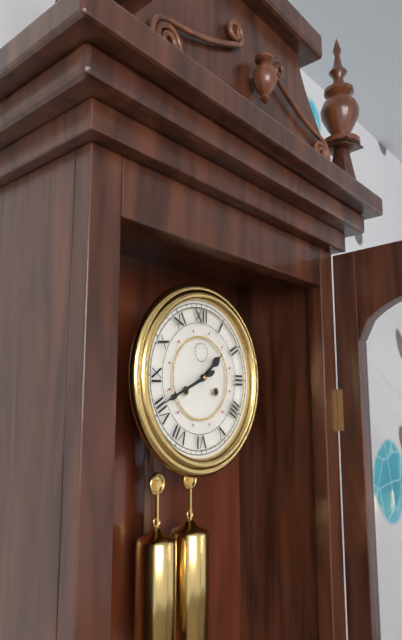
1:41
